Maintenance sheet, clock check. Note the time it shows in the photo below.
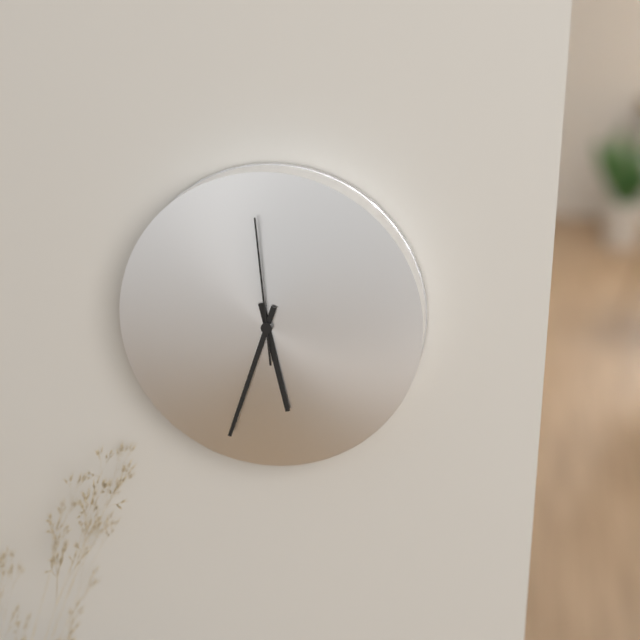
5:33:59
